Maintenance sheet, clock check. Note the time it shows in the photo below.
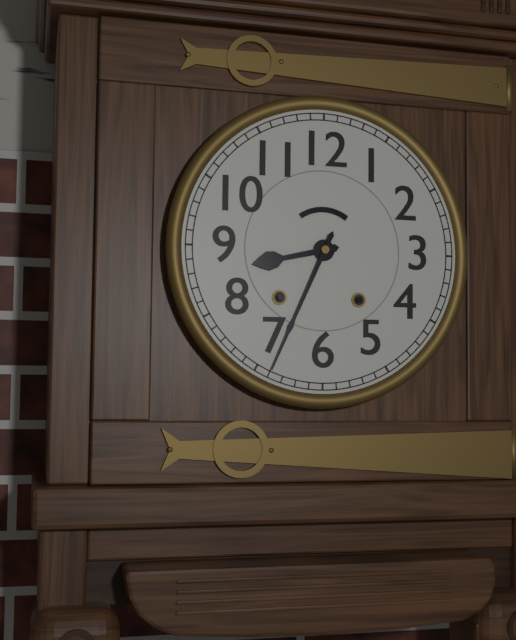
8:34
